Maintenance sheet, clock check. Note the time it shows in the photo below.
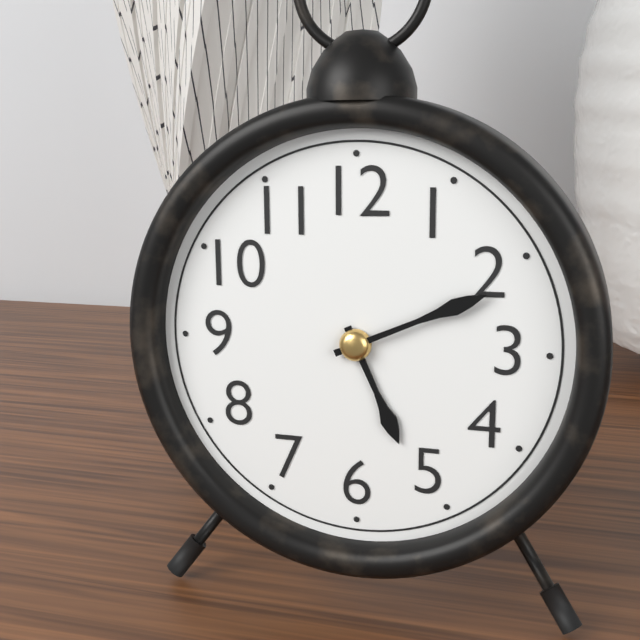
5:11
